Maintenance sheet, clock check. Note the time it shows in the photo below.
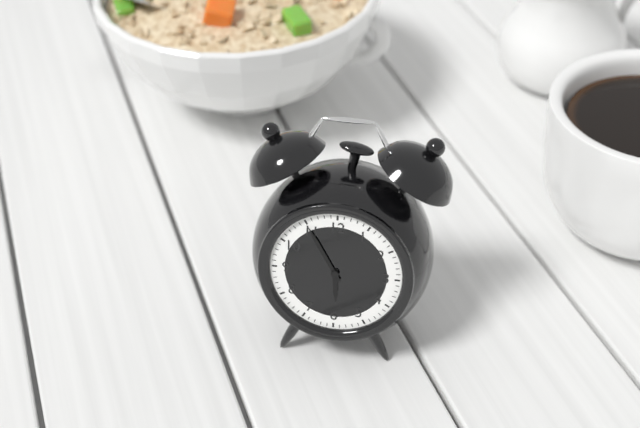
5:55
